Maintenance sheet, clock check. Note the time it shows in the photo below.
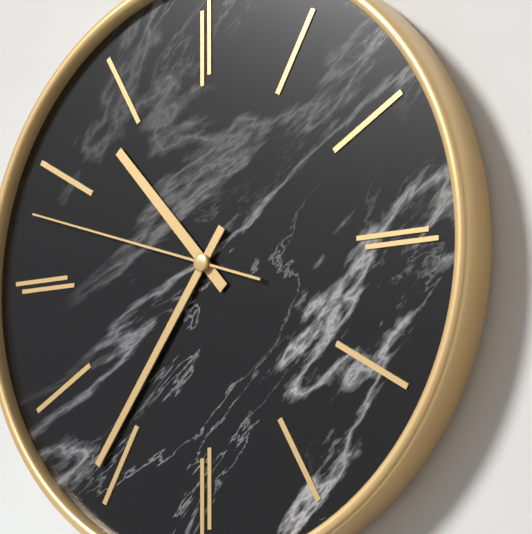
10:36:48
